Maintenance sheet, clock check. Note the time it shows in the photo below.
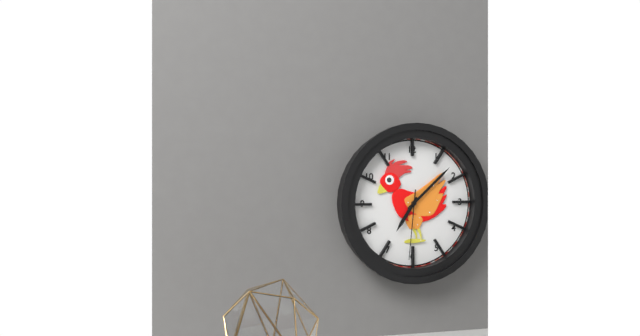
7:08:31
